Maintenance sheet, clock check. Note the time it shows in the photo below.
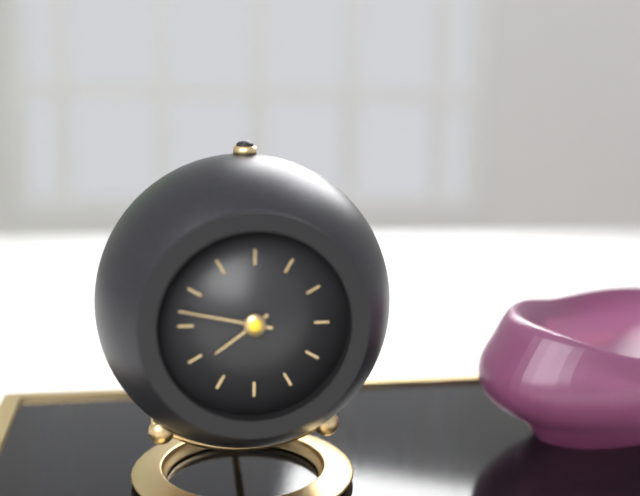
7:47
